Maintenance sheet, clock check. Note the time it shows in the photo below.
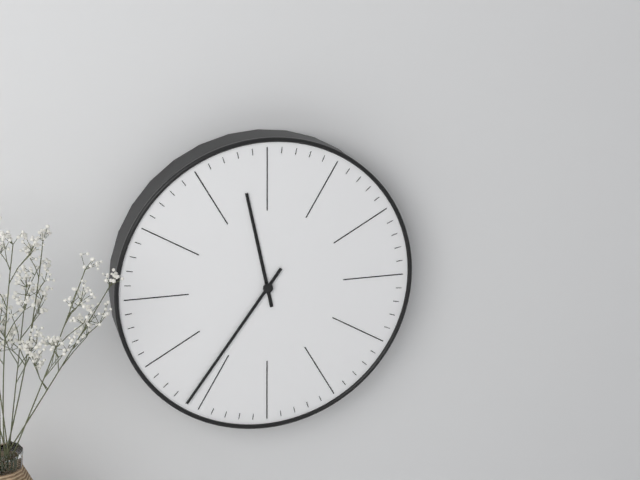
11:36
